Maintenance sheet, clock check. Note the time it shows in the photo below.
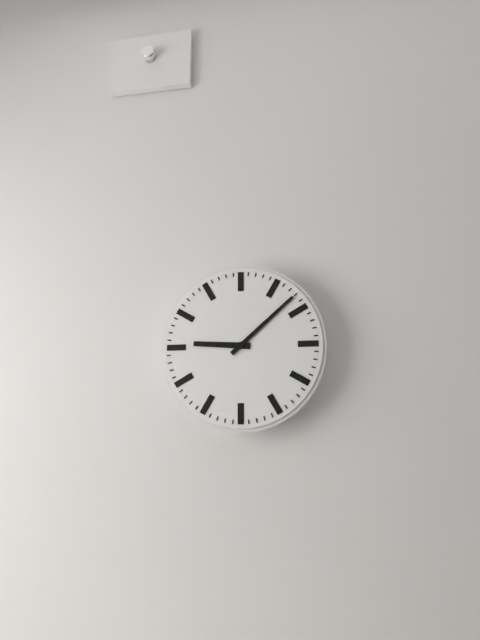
9:08
